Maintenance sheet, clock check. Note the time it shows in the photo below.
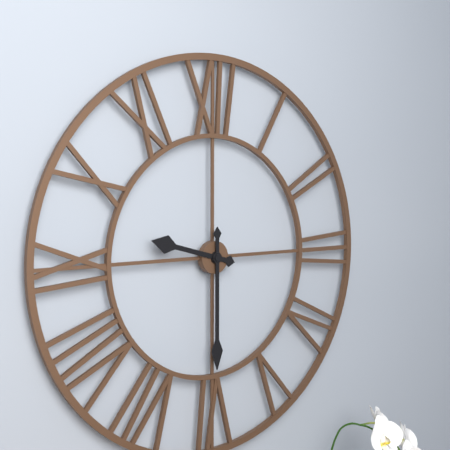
9:30
